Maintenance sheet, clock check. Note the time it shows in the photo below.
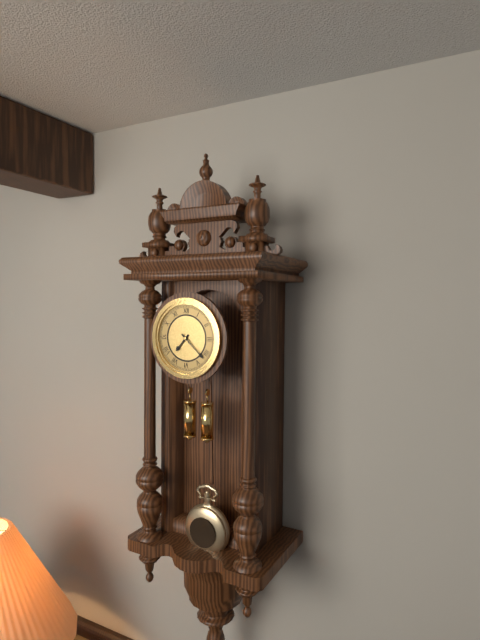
7:22
